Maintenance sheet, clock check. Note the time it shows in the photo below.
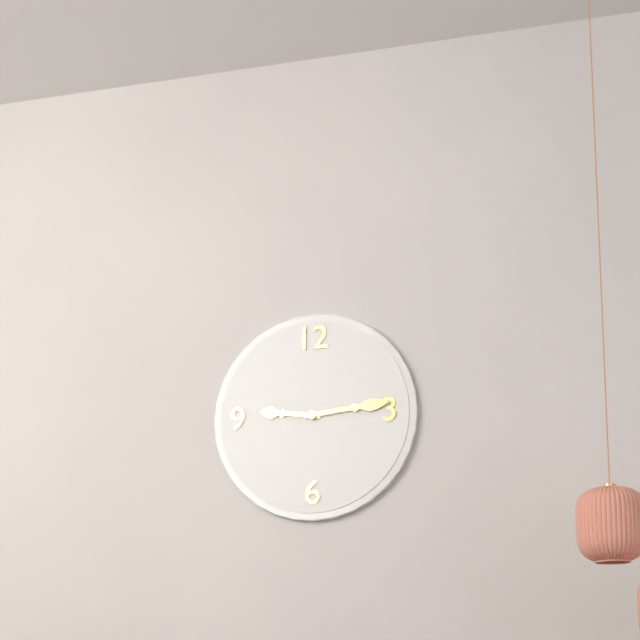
9:14
